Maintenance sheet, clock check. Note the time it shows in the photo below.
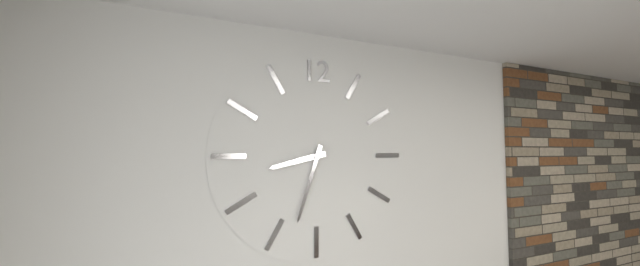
8:33
